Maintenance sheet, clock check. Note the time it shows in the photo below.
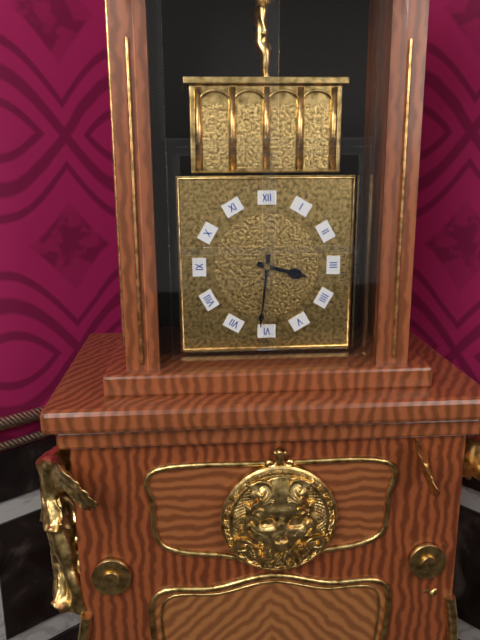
3:31
